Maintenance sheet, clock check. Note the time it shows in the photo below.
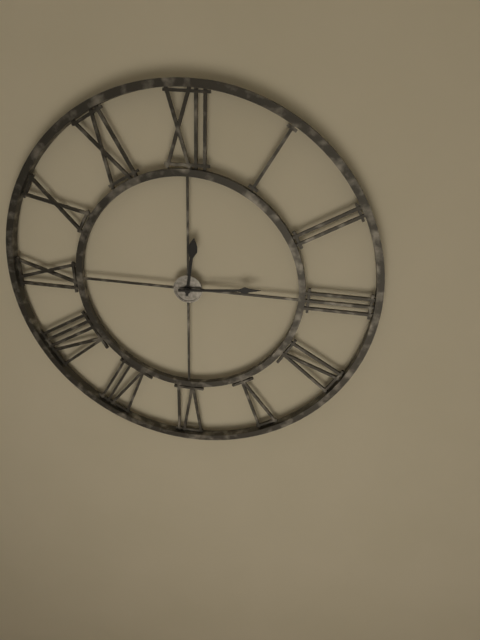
12:14
